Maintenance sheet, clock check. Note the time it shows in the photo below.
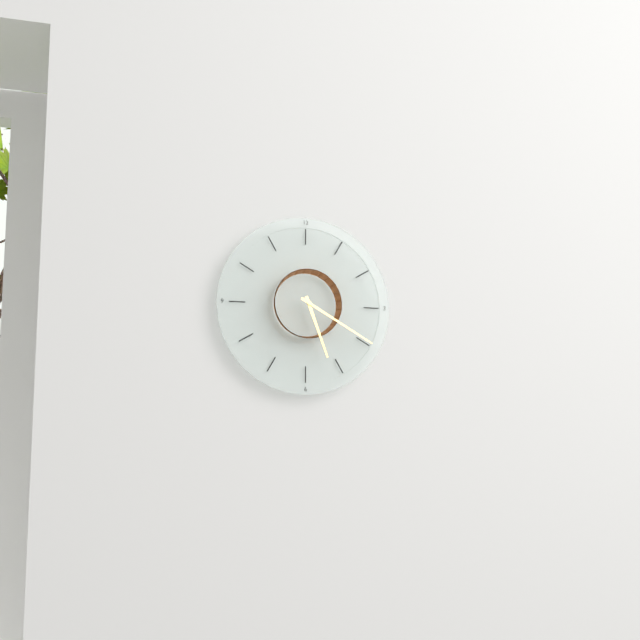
5:20
